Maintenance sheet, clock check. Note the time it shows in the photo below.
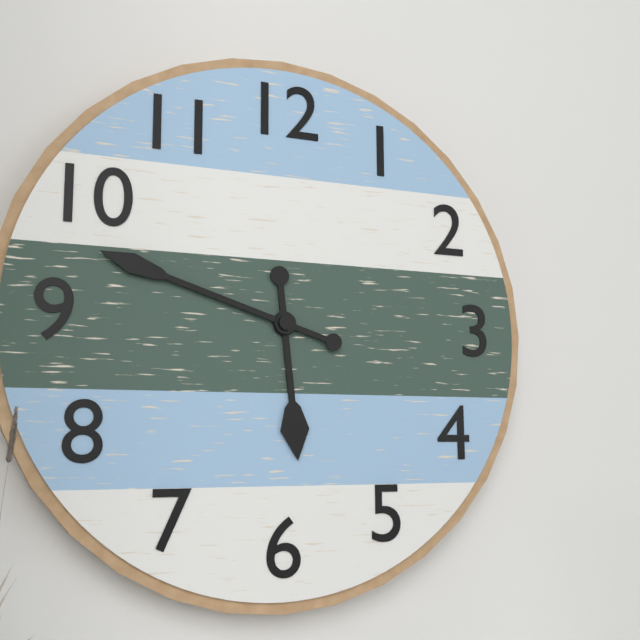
5:48
